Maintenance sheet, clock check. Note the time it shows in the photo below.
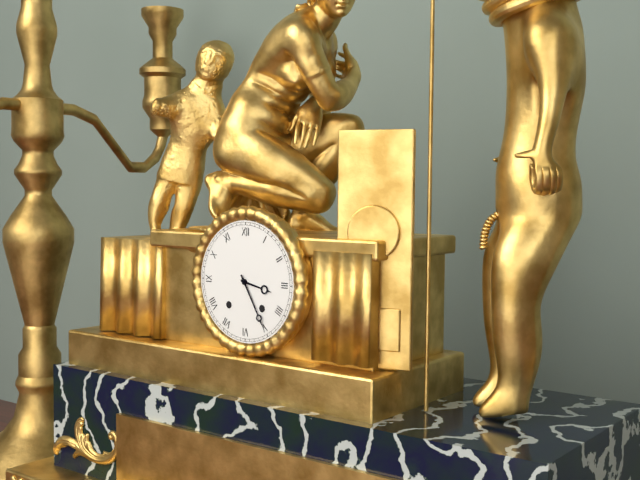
3:25
